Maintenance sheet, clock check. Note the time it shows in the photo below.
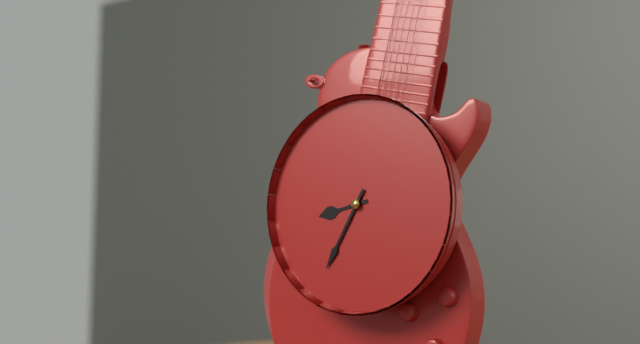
8:35
